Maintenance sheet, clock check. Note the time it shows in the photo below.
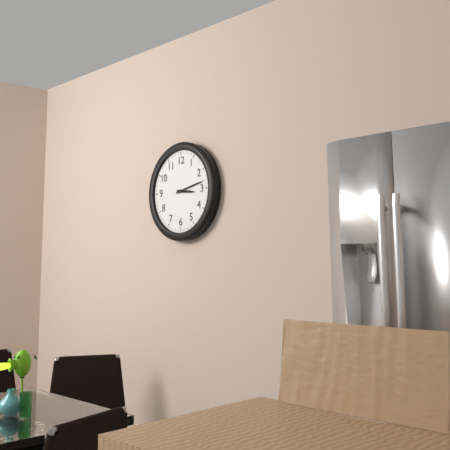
3:13
